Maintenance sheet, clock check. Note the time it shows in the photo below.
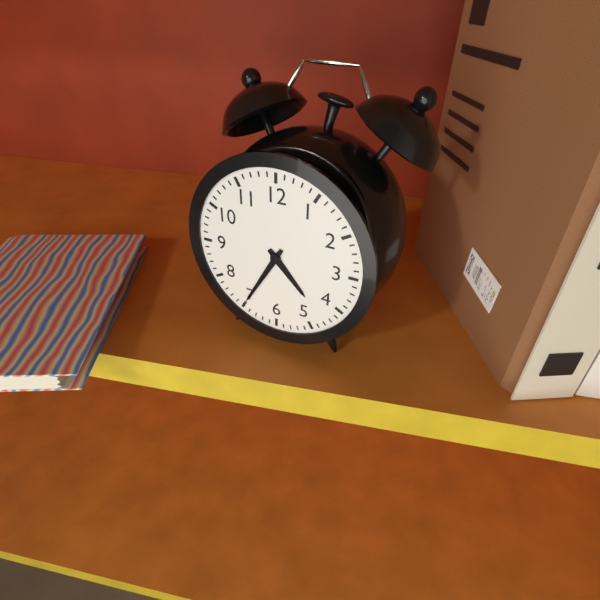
4:35
